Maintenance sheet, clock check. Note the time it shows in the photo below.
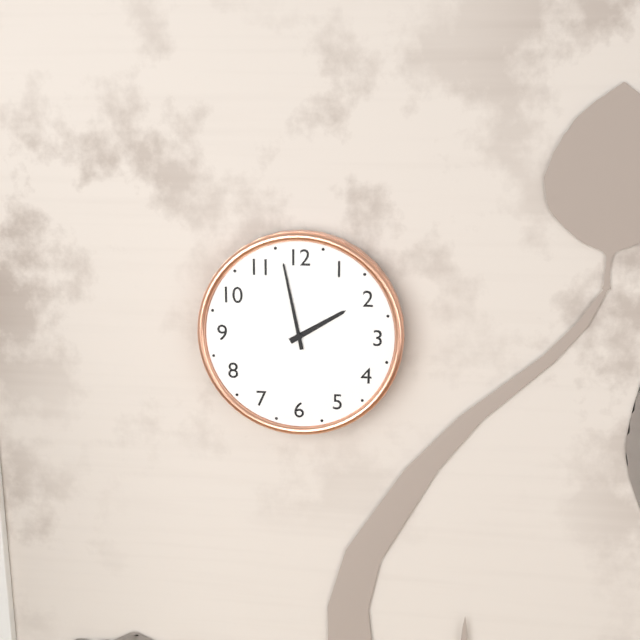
1:58
